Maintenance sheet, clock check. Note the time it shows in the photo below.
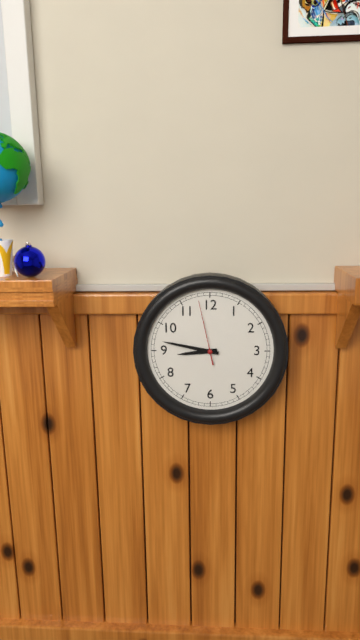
8:47:58
